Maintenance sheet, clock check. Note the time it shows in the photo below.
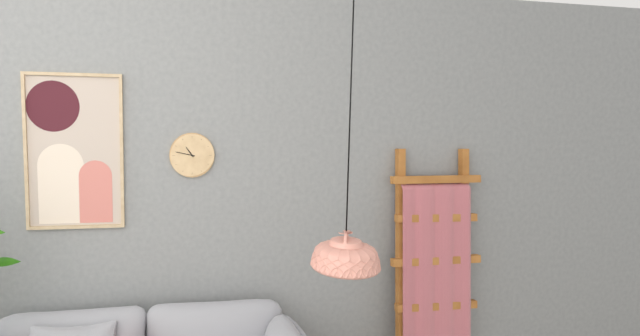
10:47
